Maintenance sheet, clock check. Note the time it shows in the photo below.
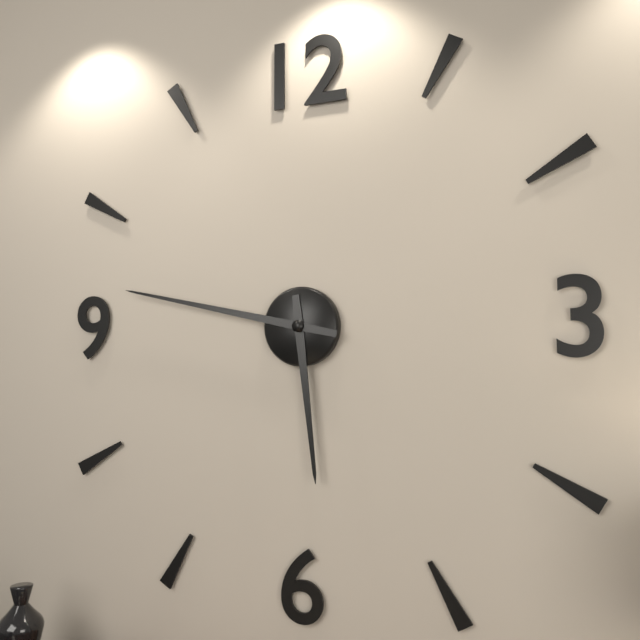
5:47
